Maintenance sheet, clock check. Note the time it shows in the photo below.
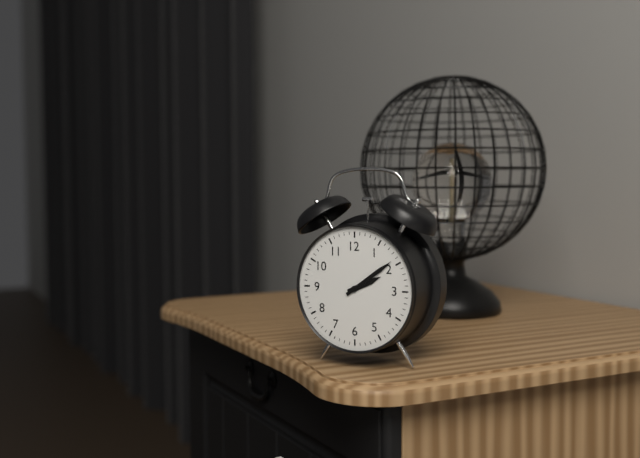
2:09
